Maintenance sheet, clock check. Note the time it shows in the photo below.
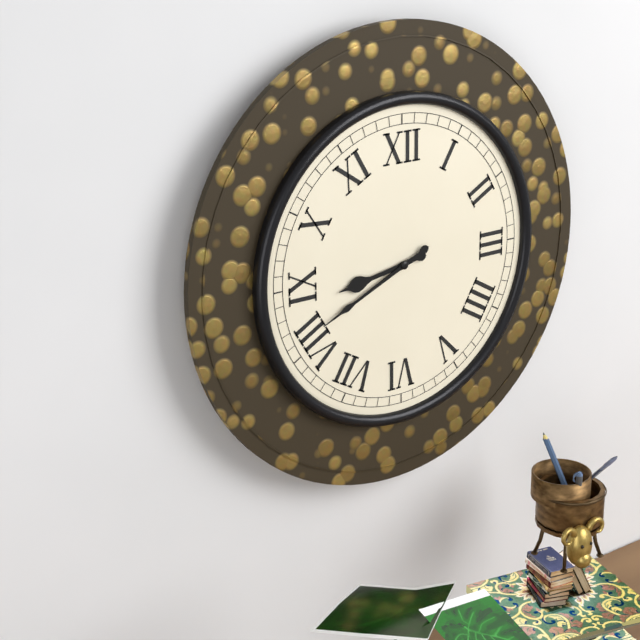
8:41
